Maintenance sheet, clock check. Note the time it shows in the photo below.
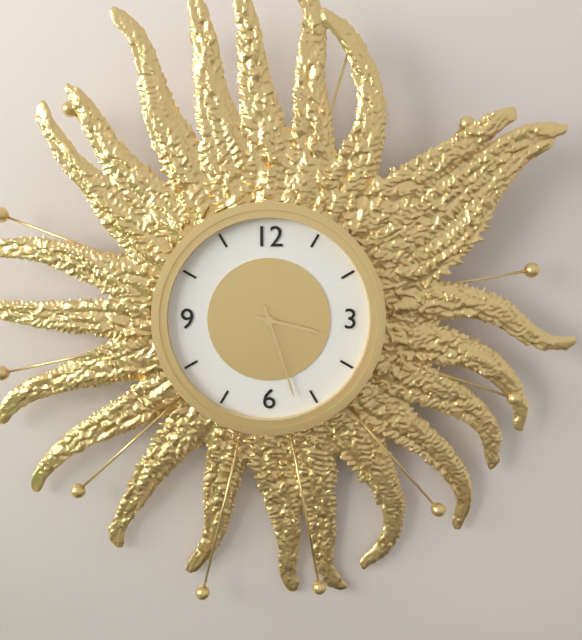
3:27
